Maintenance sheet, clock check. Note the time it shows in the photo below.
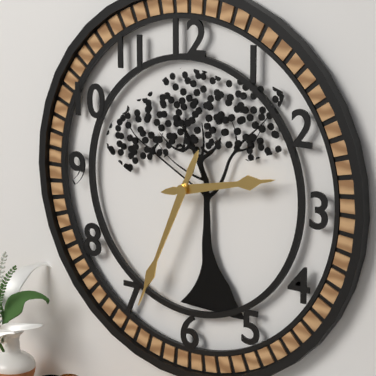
2:34
